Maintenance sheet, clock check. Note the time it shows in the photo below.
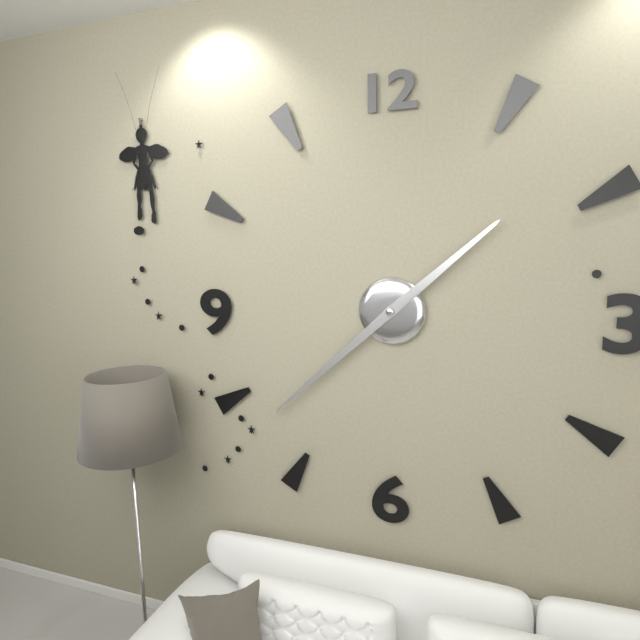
1:38
